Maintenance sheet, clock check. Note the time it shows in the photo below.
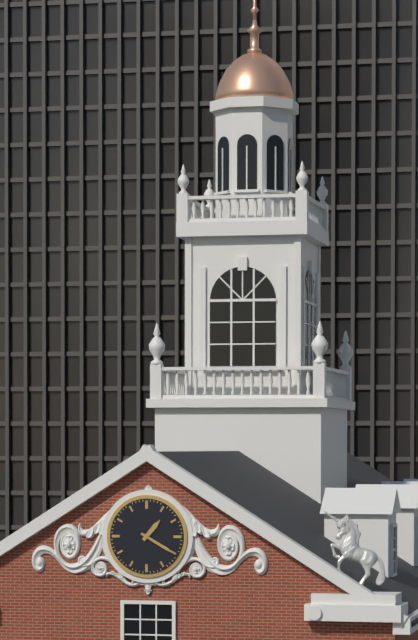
1:20
